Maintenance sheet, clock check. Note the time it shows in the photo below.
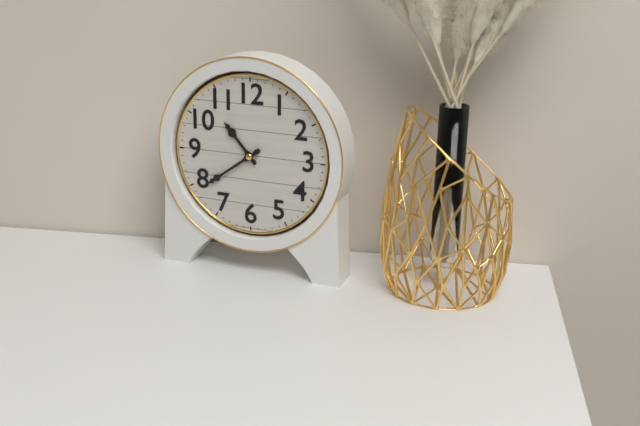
10:39
